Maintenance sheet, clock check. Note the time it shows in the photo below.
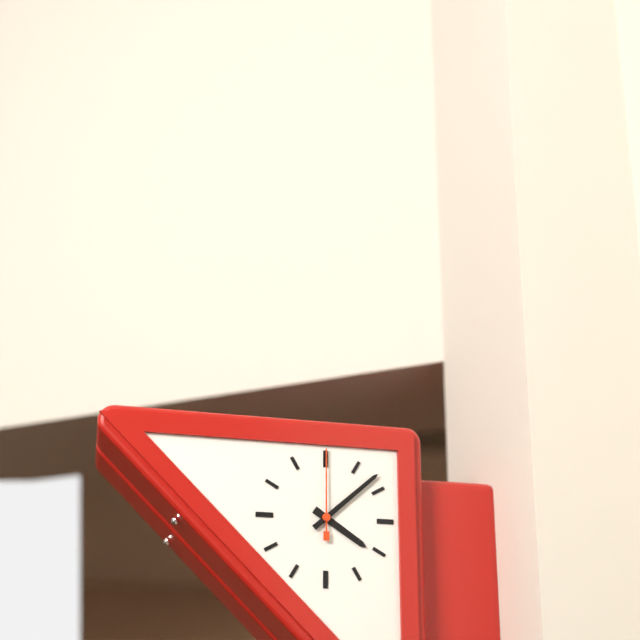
4:08:00
